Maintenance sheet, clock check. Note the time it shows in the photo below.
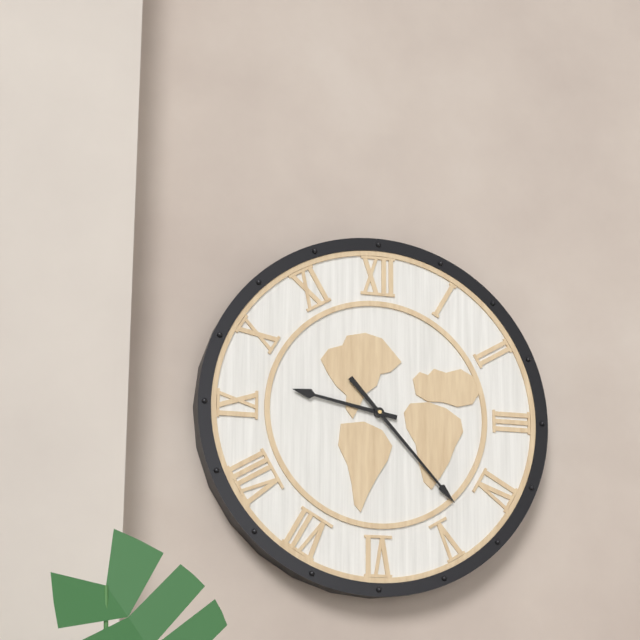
9:23
